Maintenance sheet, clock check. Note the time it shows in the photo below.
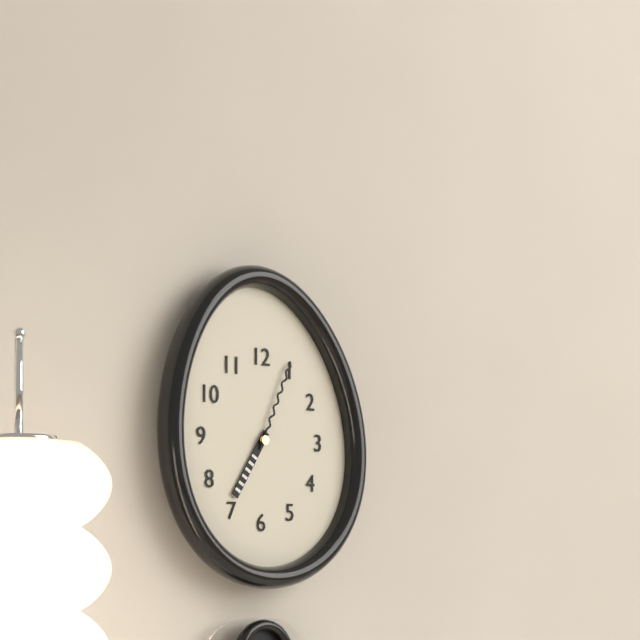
7:04
